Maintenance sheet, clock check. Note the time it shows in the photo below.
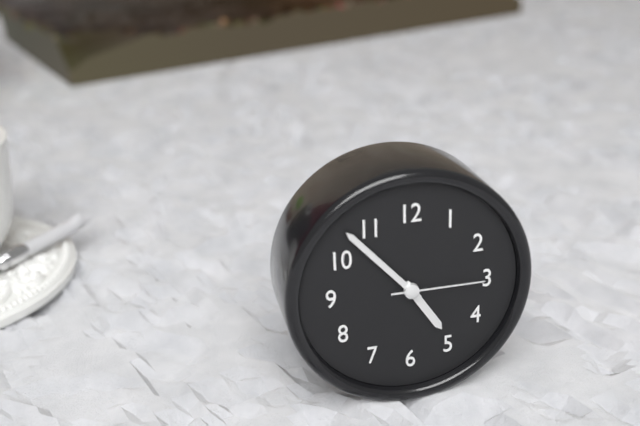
4:53:15
